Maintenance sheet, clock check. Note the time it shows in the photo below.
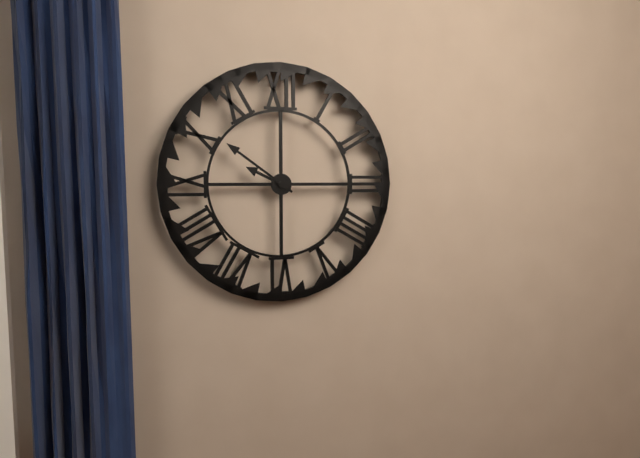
9:51
